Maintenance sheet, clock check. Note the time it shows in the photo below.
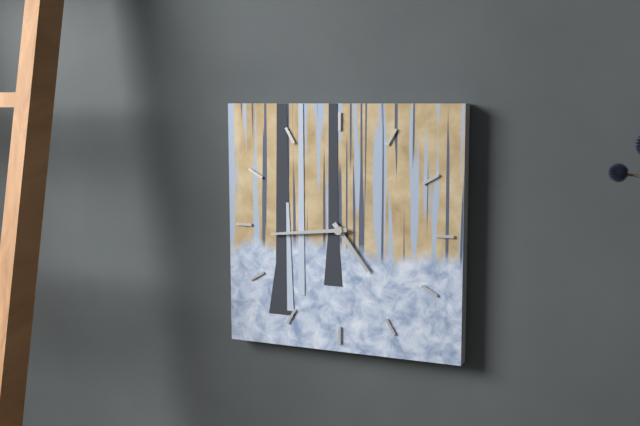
4:44
